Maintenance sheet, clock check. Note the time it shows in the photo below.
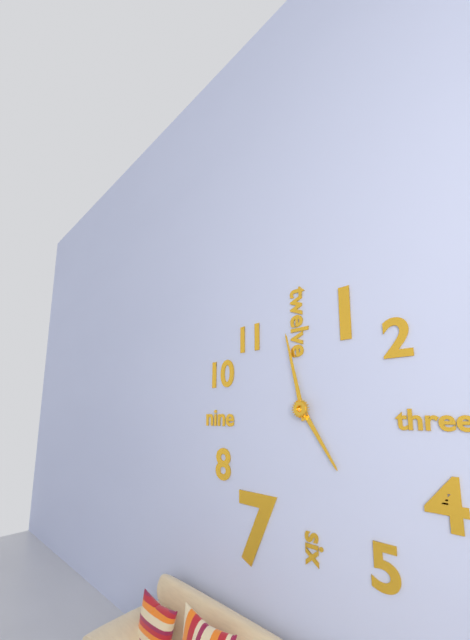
4:58
